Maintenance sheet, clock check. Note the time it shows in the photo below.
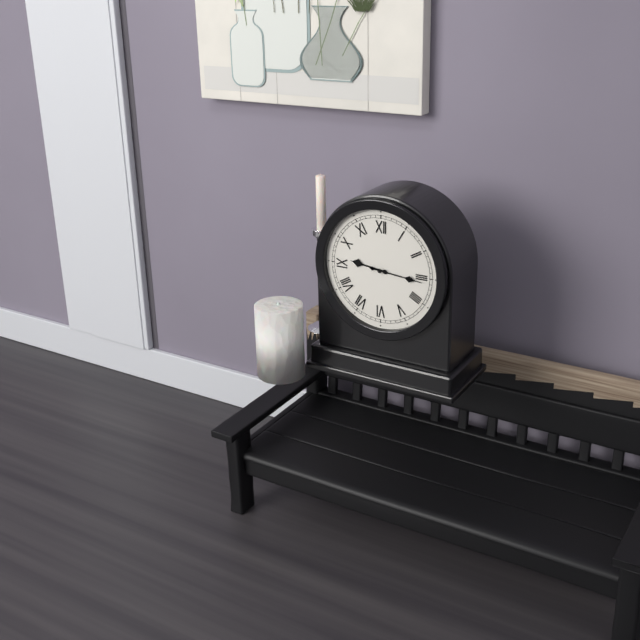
9:16
